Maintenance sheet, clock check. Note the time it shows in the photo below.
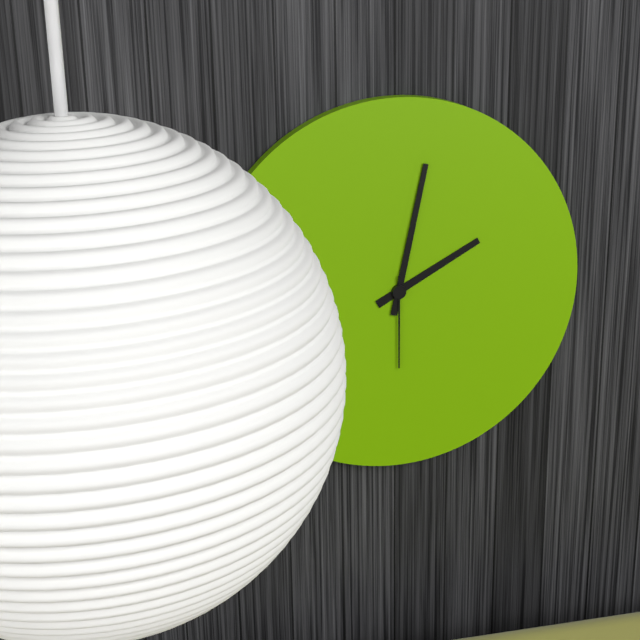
2:02:30
